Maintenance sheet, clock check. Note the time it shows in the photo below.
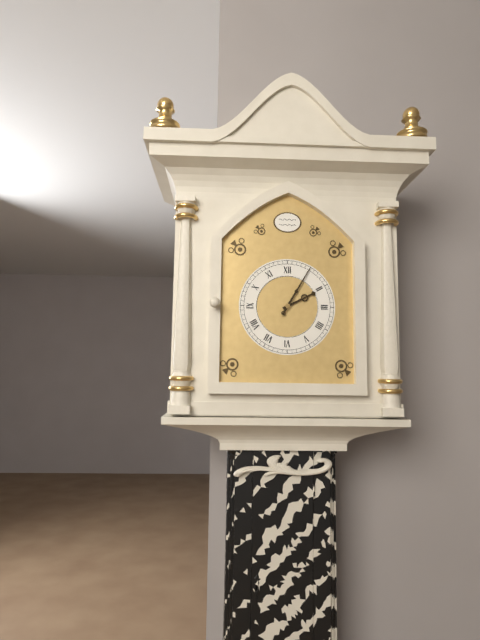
2:05
